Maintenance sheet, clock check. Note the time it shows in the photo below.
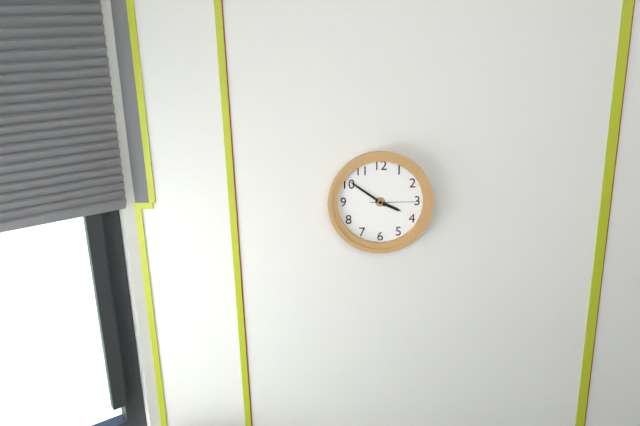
3:51:15
